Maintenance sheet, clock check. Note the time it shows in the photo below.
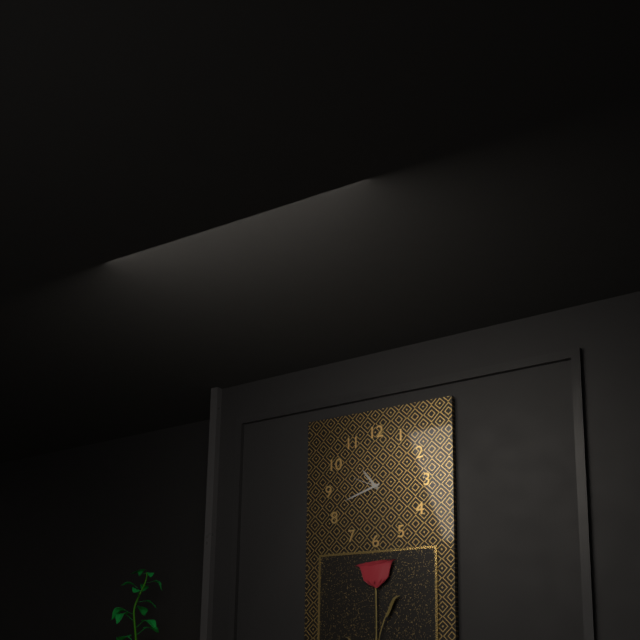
10:42
